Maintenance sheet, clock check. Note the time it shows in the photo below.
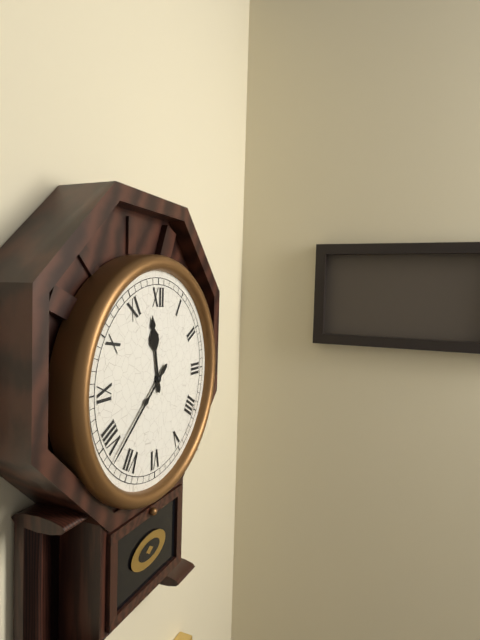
11:38
